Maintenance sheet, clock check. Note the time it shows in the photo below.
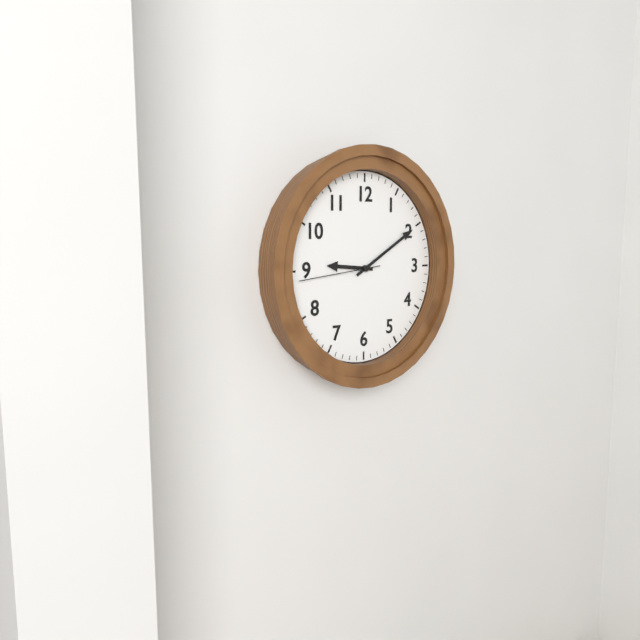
9:10:44
